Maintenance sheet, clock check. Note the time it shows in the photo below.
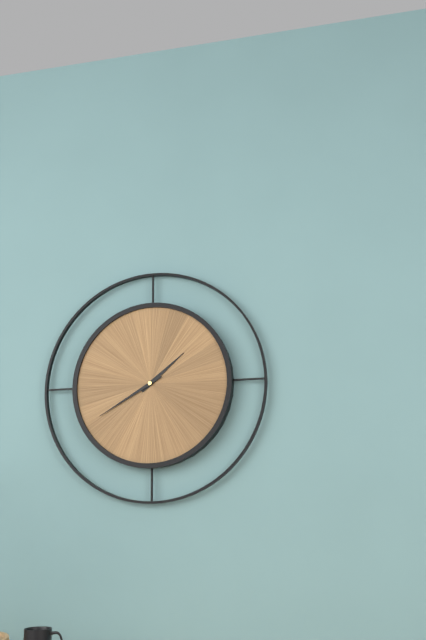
1:40
